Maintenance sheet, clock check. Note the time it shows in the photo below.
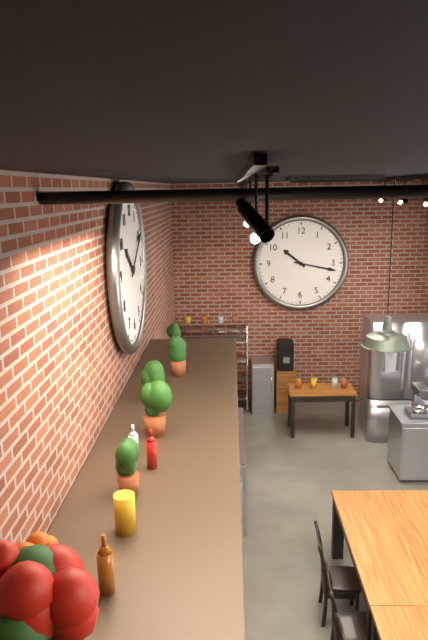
10:17
